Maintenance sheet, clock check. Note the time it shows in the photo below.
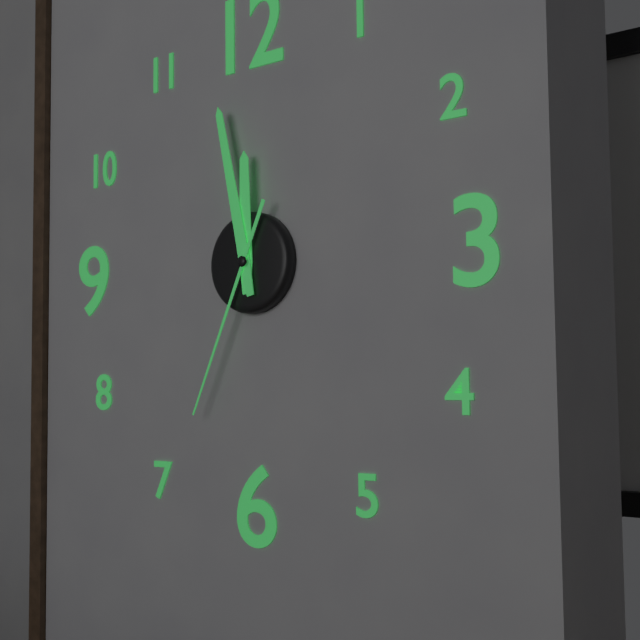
11:58:34
